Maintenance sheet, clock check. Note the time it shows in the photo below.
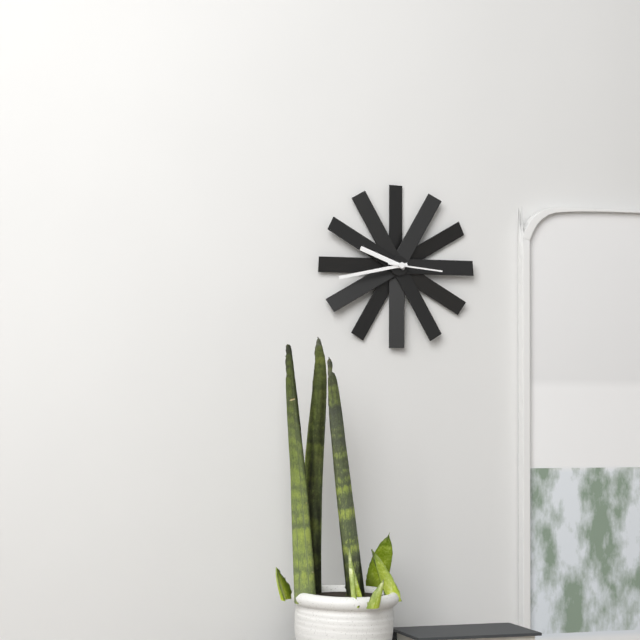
9:43:16
